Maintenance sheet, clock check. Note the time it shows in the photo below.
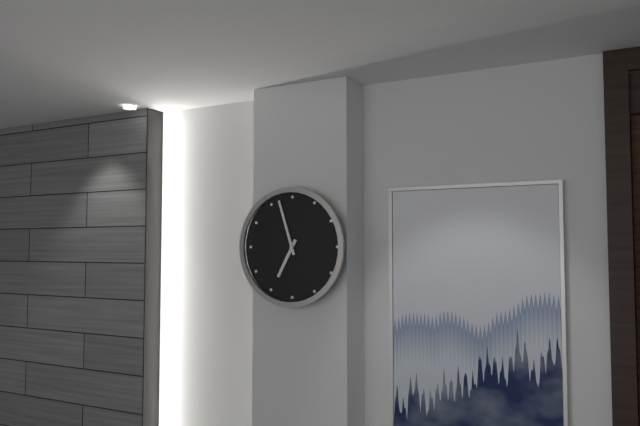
6:57
